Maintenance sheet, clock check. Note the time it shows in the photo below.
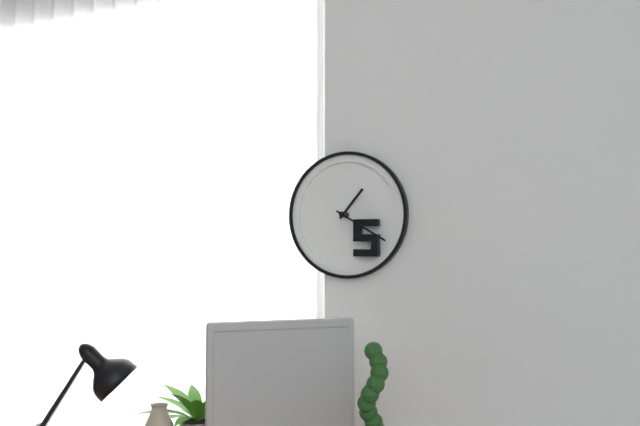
1:20
